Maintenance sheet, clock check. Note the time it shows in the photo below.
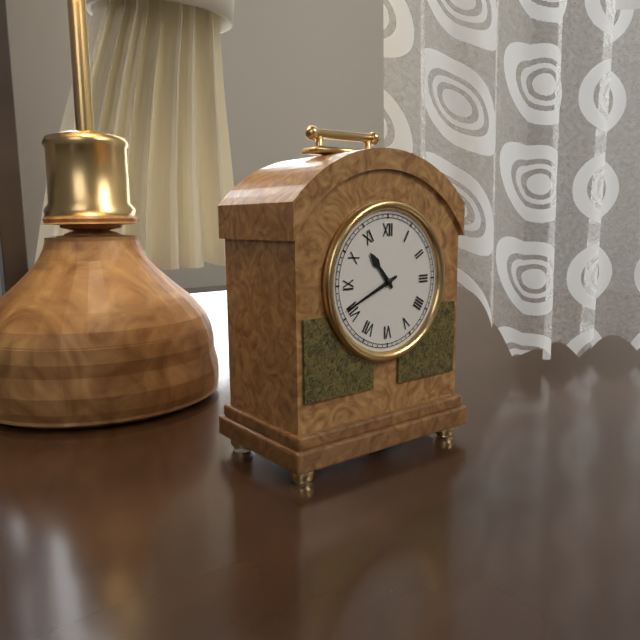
10:41
